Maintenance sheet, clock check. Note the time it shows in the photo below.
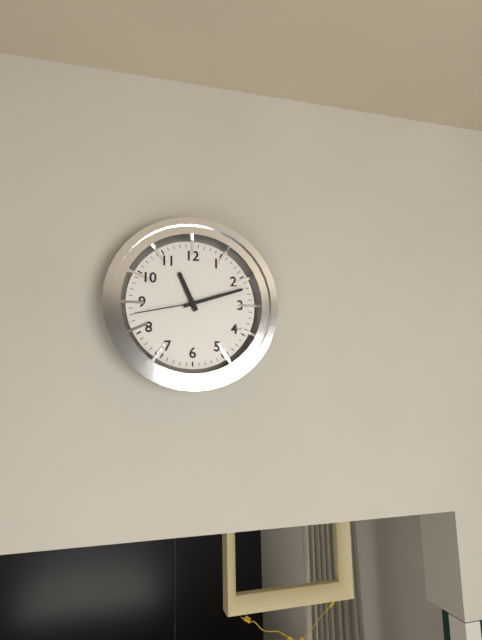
11:12:43
